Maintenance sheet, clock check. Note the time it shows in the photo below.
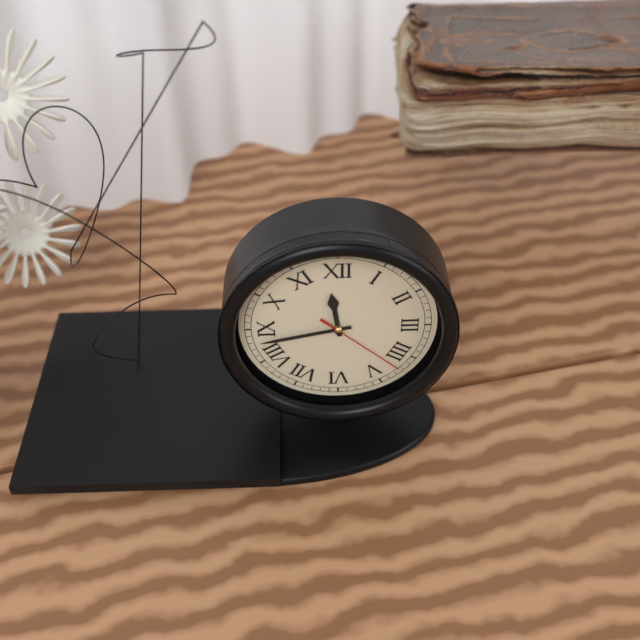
11:43:22
